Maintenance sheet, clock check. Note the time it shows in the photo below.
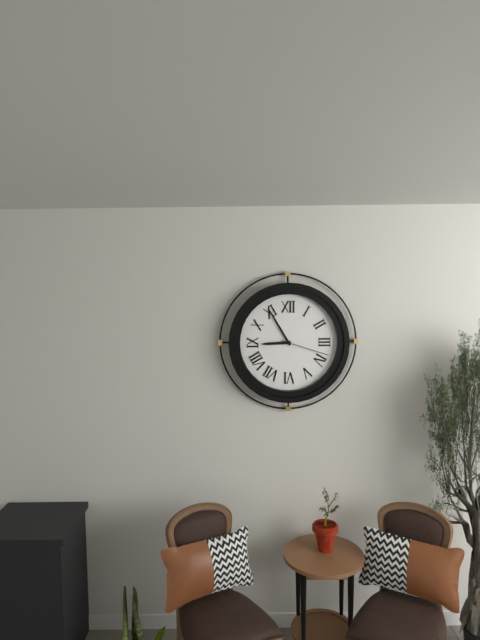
8:55:18
